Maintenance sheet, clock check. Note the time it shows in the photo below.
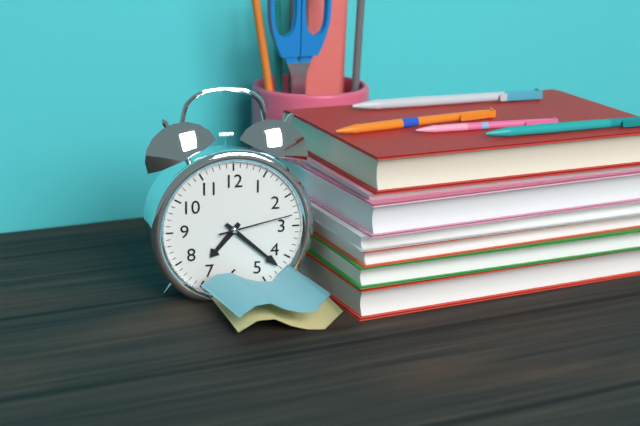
7:22:13
